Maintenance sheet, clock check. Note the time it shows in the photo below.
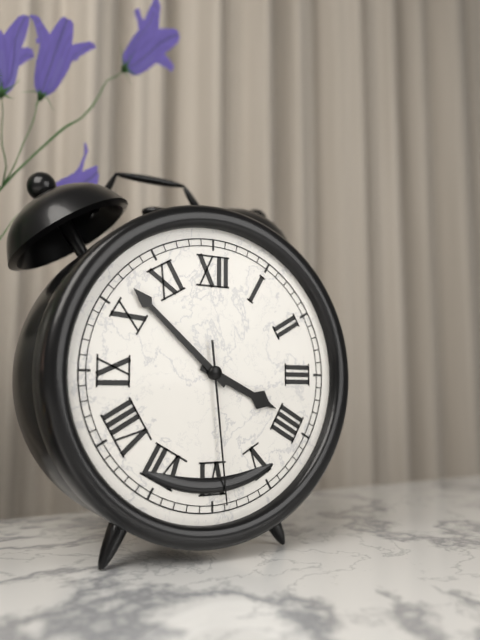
3:52:29
